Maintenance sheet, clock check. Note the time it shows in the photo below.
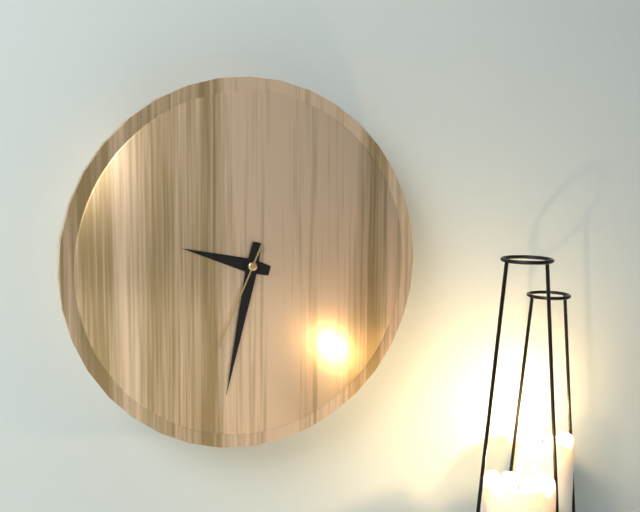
9:32:34
